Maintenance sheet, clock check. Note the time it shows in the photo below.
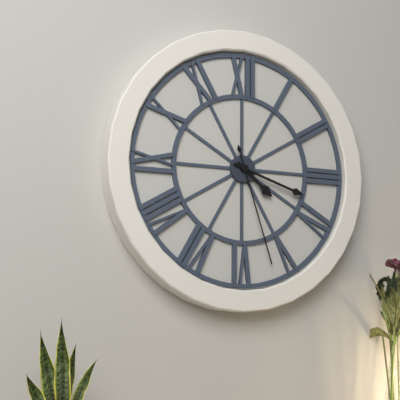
4:18:27
